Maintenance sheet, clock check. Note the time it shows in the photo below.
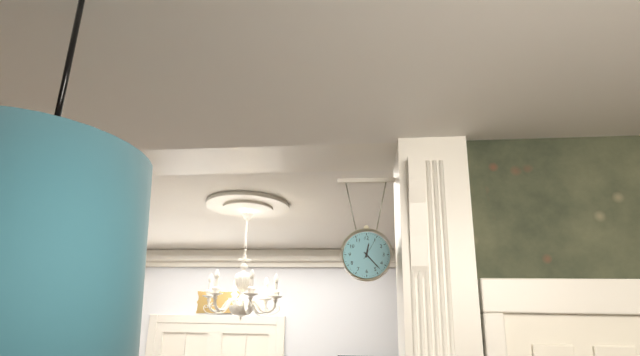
12:23
